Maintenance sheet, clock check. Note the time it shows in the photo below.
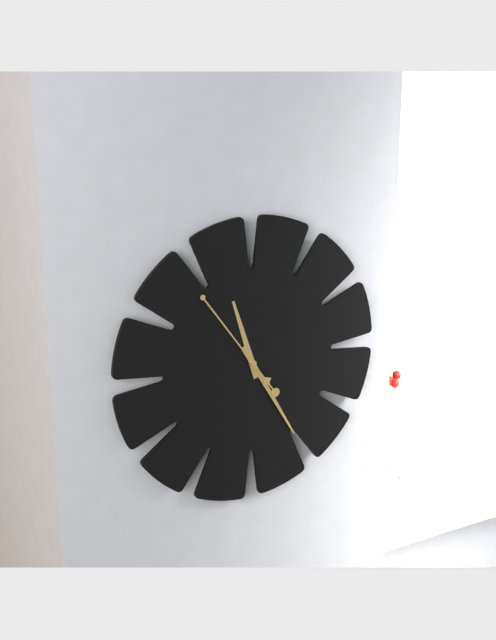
11:25:54
